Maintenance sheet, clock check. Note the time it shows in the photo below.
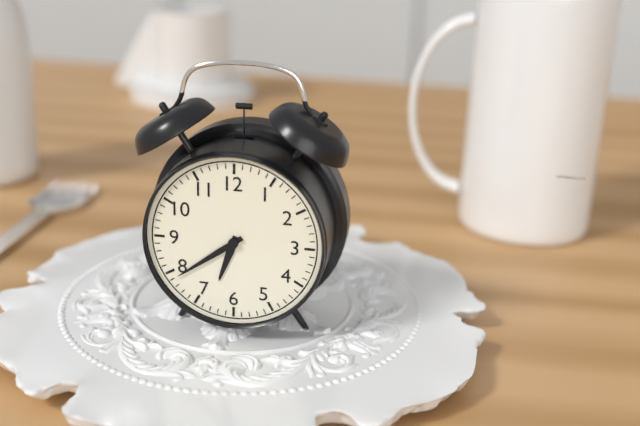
6:39
